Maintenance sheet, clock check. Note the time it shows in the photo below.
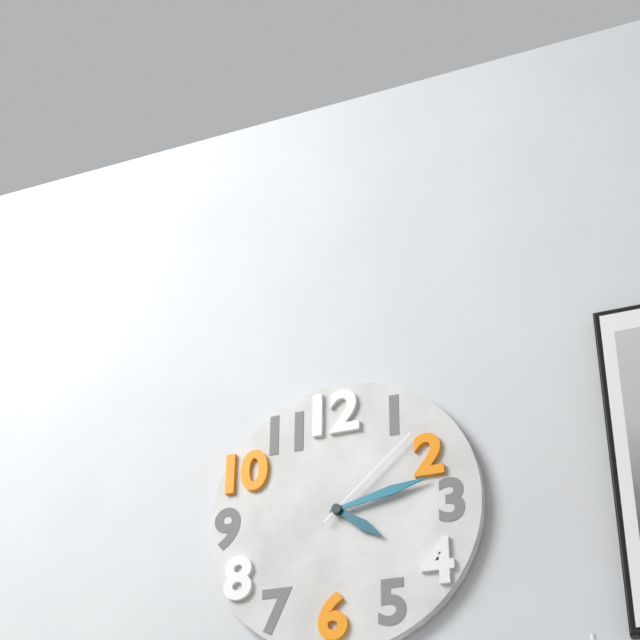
4:13:08
